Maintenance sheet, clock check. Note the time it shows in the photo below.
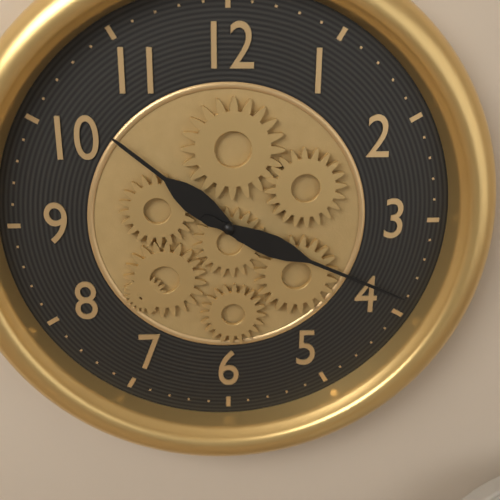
10:19
